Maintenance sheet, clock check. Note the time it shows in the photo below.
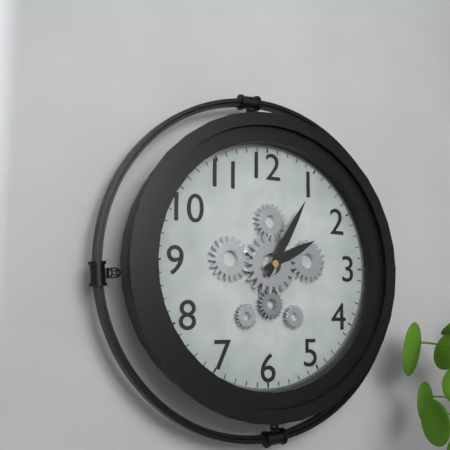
2:05
